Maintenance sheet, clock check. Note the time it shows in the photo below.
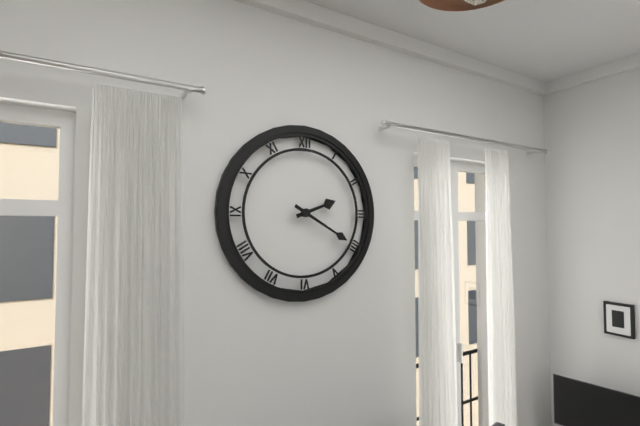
2:20
